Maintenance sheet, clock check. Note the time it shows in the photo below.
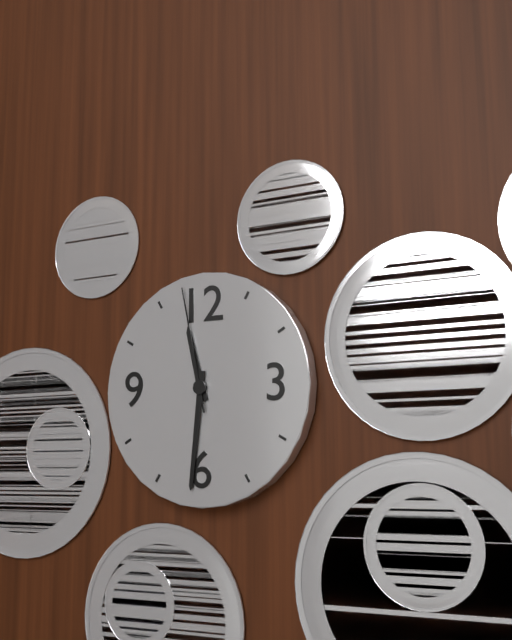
11:31:58
